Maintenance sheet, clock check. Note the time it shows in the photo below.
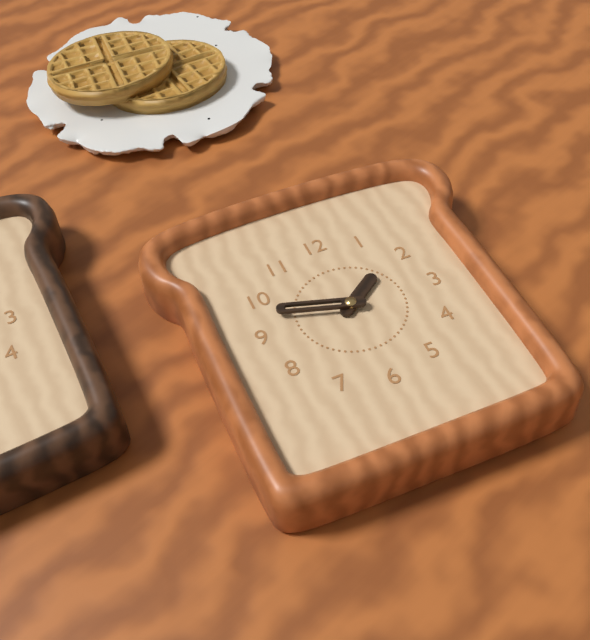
1:48
